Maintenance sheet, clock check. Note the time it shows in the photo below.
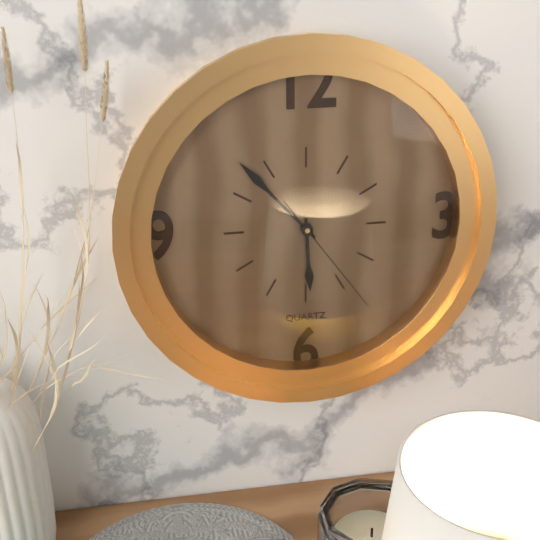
5:53:24
